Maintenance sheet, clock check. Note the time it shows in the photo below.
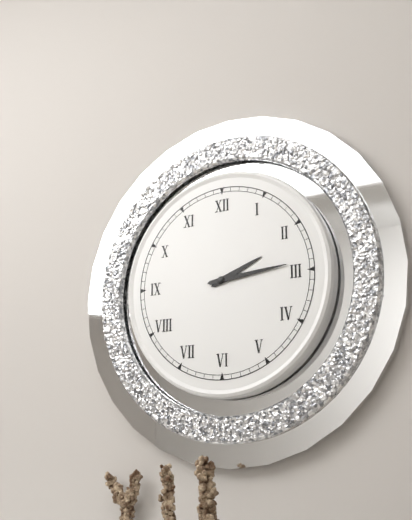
2:14
